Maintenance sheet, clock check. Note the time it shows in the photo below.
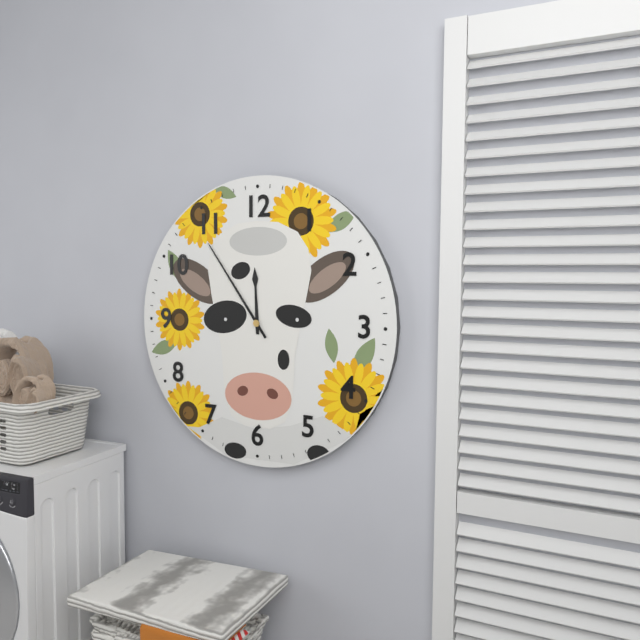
11:54
